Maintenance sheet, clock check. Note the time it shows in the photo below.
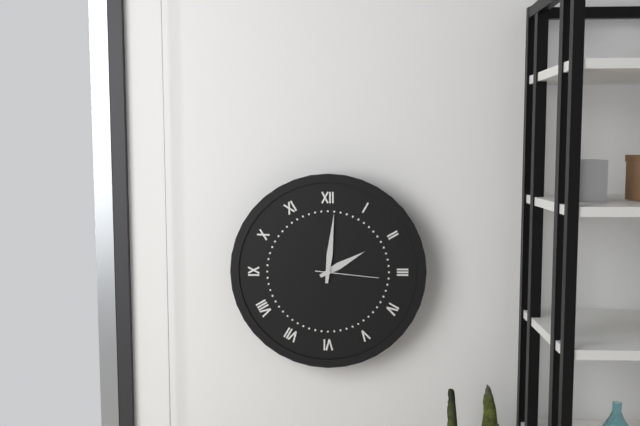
2:01:16
